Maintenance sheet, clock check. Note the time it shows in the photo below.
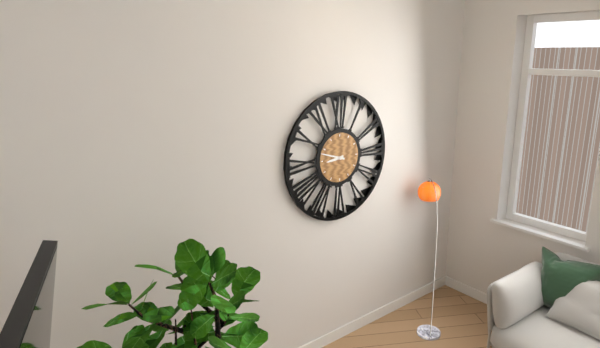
8:48
